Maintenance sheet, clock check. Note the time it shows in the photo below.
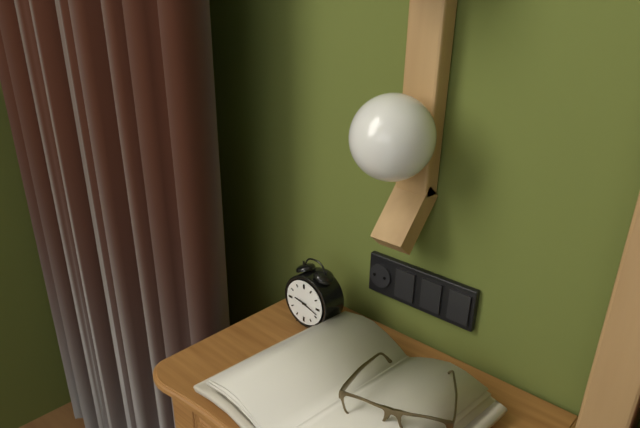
9:18
